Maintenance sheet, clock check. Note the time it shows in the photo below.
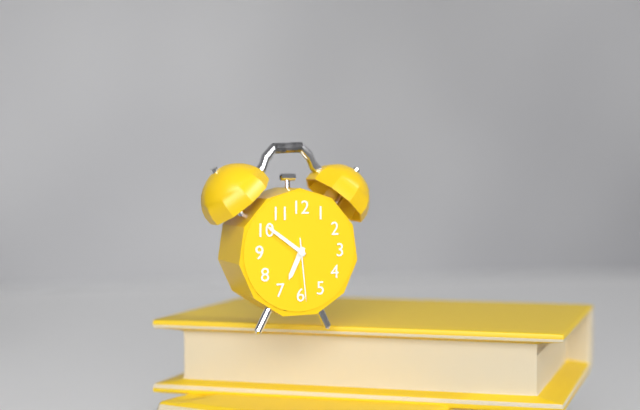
6:51:29
